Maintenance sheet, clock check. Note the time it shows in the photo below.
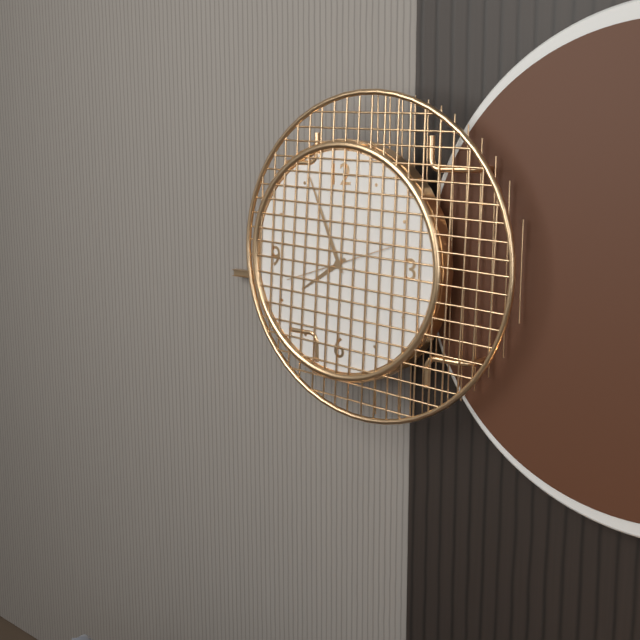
7:56:42
